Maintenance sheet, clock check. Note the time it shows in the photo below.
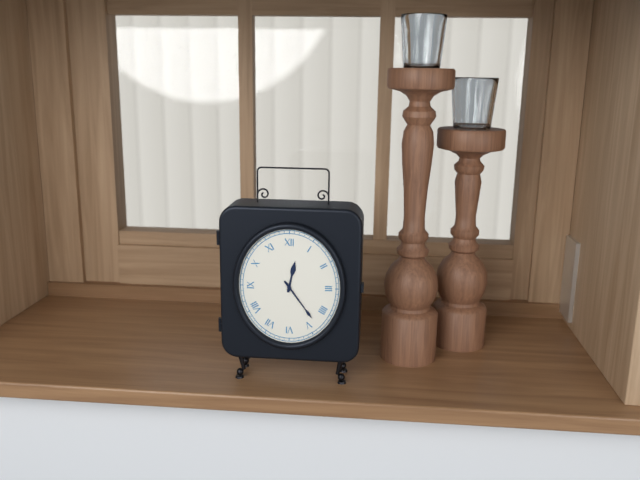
12:24
